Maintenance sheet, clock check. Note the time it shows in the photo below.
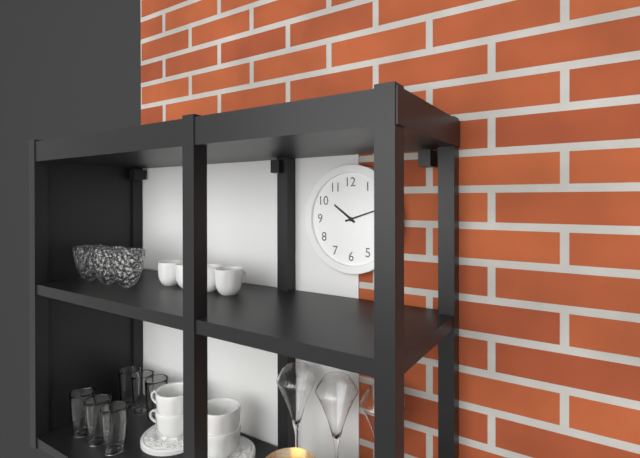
10:12
